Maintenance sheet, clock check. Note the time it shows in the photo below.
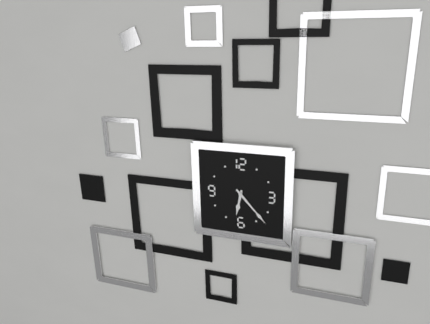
6:23
